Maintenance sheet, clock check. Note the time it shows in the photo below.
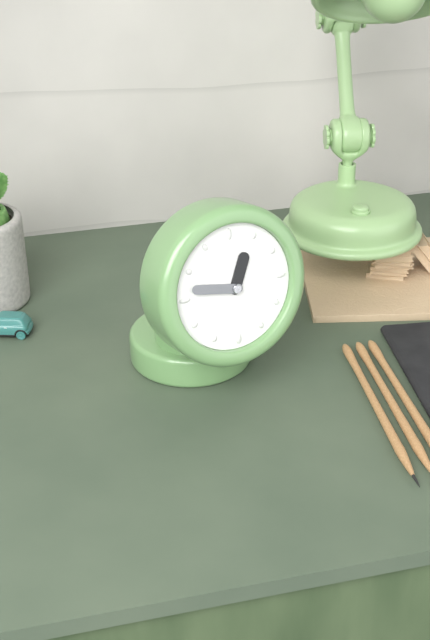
12:47
